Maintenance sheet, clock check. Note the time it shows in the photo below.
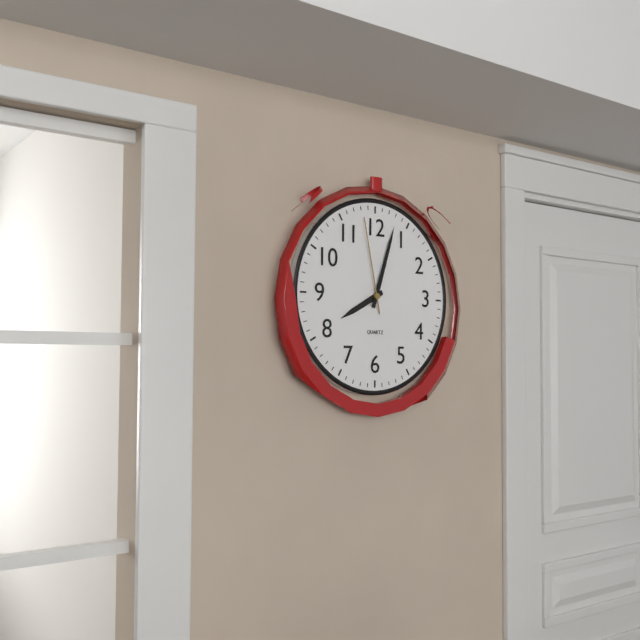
8:03:58
